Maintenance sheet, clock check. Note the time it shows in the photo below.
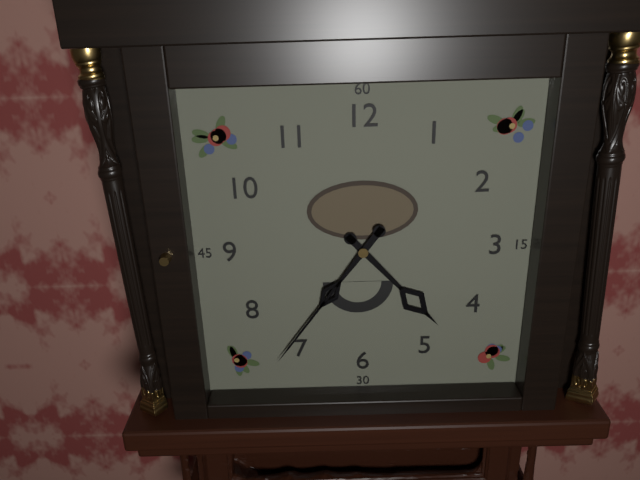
4:36
